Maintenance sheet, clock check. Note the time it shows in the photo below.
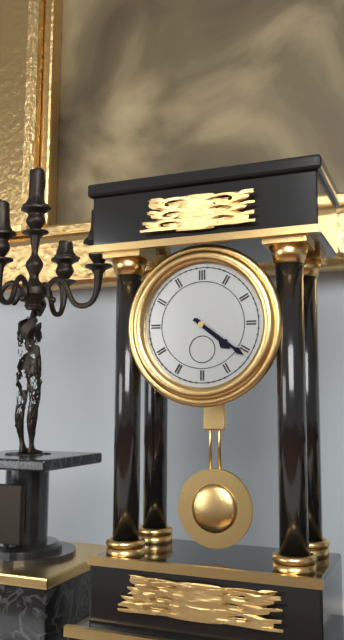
4:21
